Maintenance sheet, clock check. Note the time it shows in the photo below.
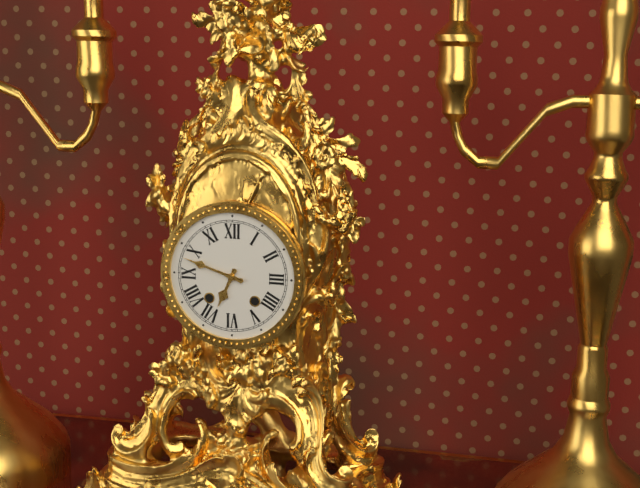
6:48
